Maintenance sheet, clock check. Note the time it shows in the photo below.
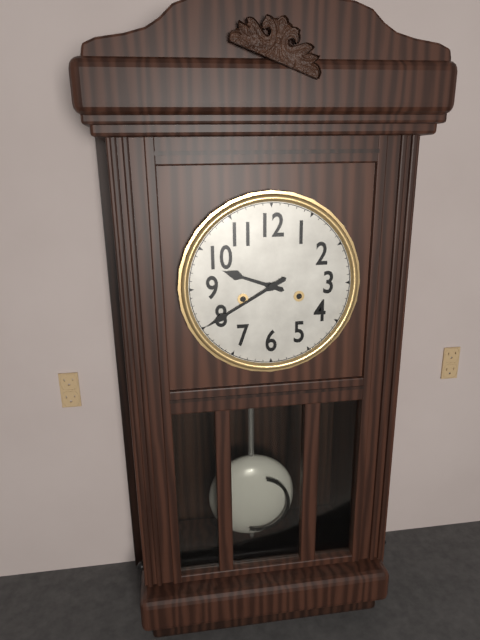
9:40
